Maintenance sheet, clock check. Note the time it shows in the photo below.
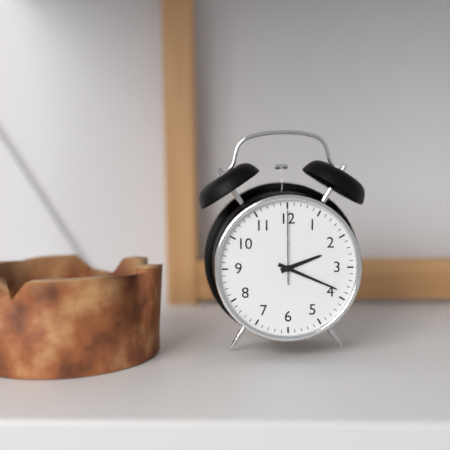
2:19:00
